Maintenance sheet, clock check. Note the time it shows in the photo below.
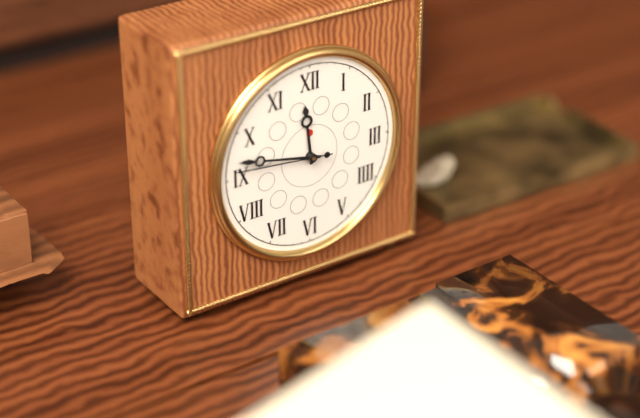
11:47:46
